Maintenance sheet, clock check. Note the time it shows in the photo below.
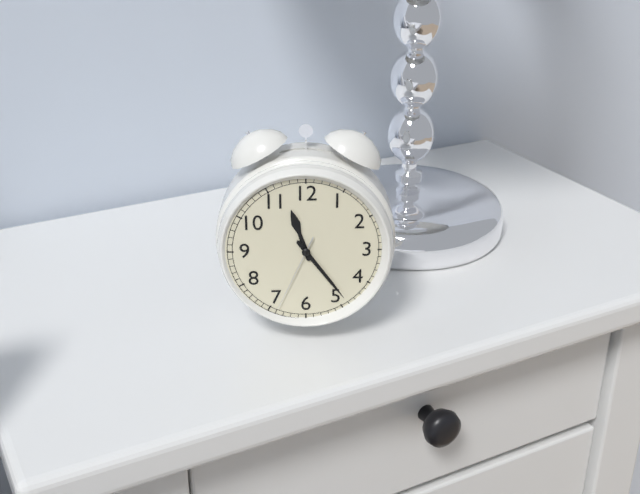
11:24:34
